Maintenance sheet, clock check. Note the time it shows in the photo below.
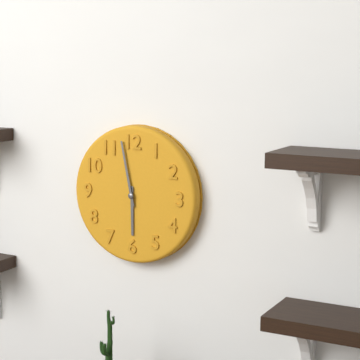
5:58
